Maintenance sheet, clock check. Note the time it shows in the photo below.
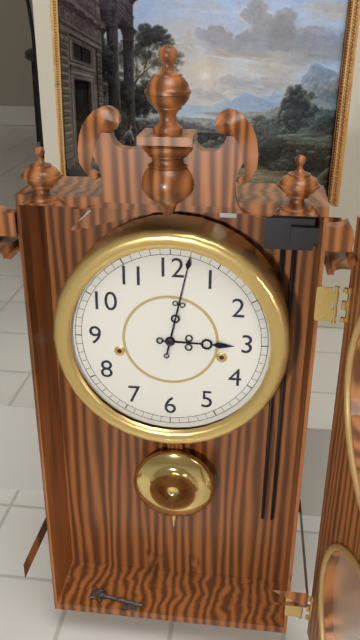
3:02
